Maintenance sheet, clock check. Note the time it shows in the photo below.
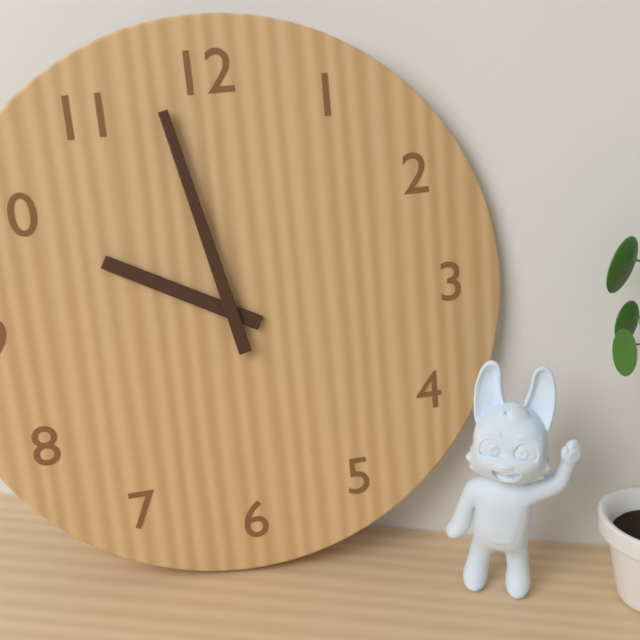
9:58
